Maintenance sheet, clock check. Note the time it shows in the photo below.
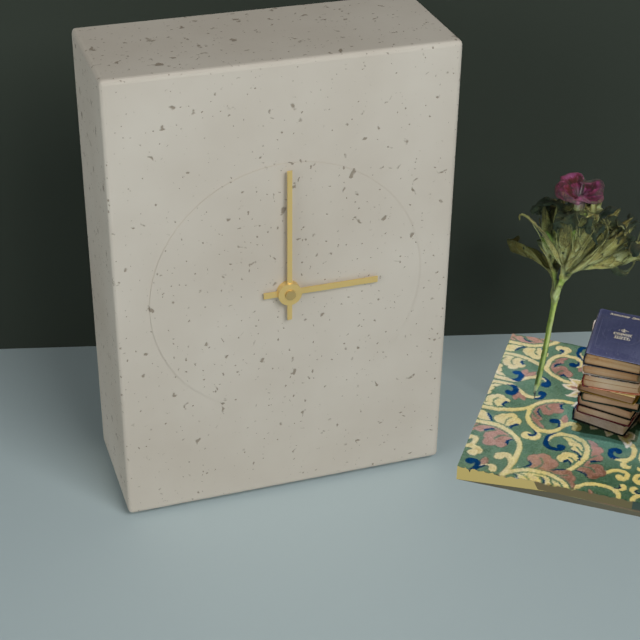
3:00
